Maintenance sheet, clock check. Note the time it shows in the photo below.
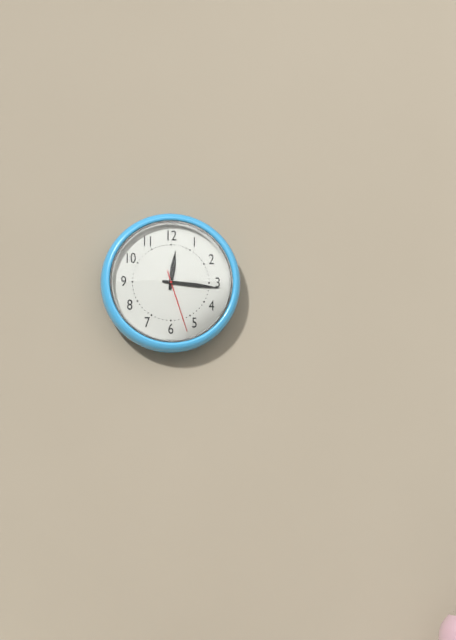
12:16:27
